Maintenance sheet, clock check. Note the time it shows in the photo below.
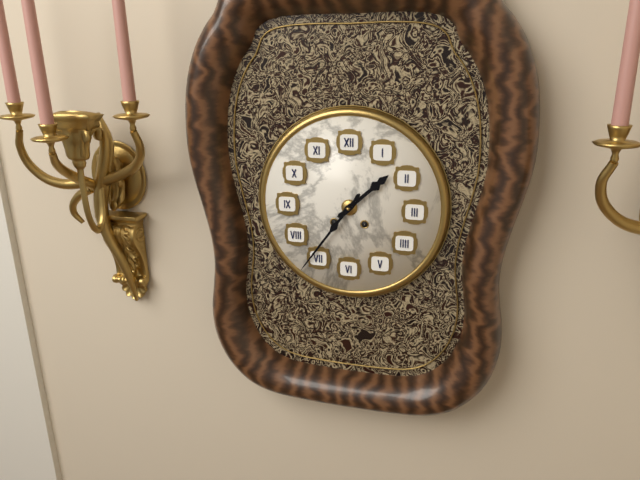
1:36
